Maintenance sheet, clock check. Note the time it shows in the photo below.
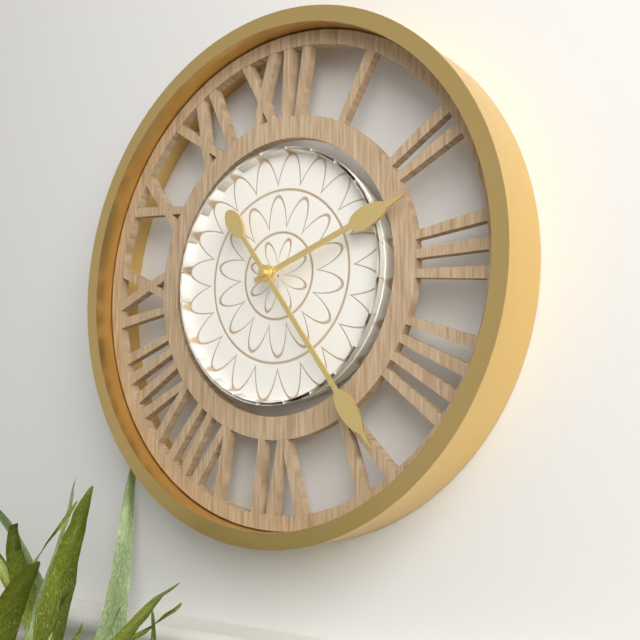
2:24
